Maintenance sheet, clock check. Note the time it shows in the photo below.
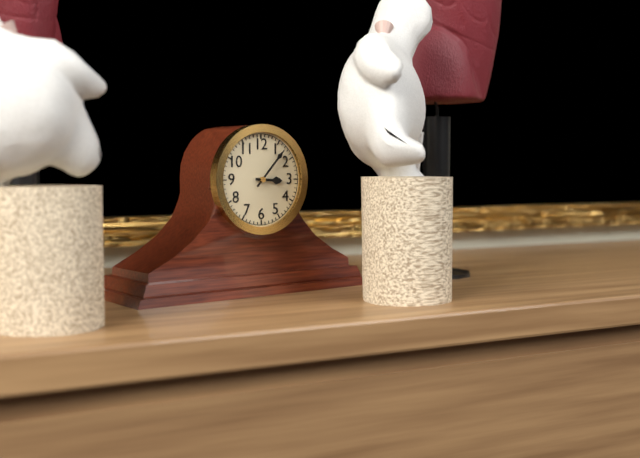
3:07
